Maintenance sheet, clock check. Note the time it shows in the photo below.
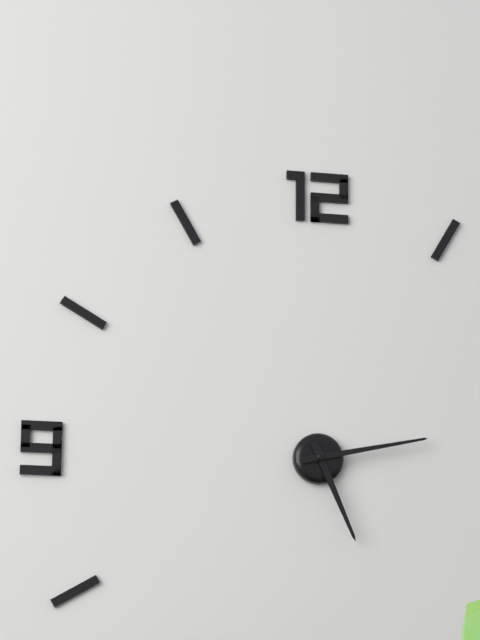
5:13
